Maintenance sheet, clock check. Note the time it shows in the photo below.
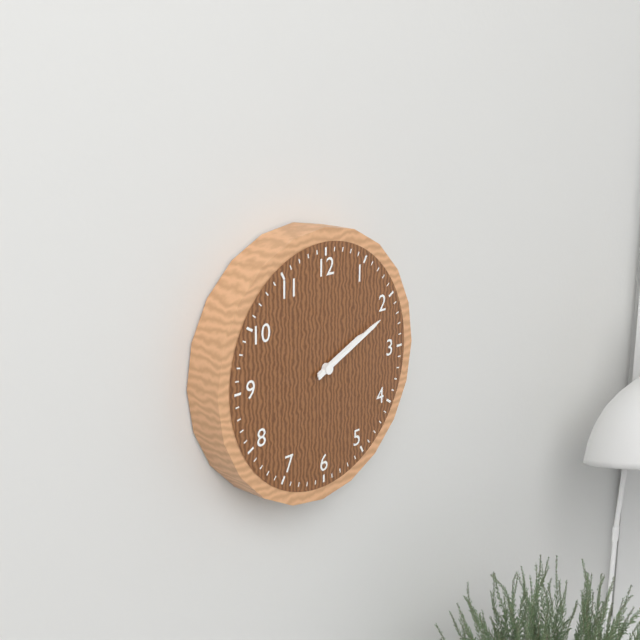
2:11
